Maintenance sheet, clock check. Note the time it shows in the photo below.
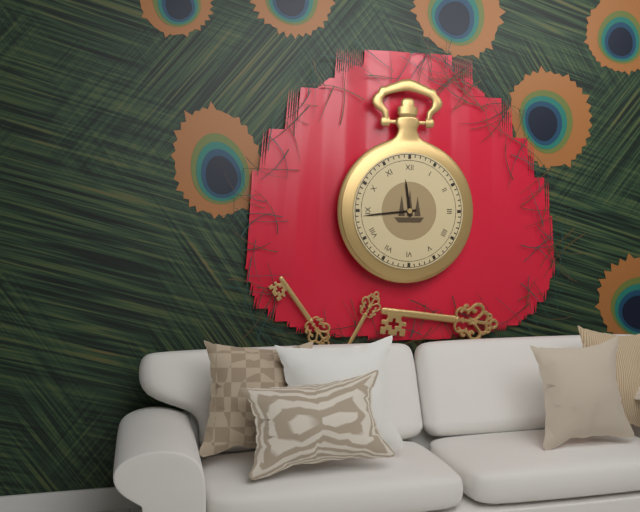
11:44
